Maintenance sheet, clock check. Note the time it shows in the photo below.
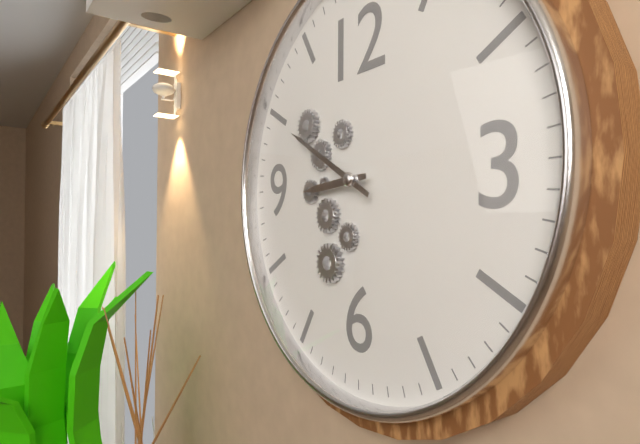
8:50
